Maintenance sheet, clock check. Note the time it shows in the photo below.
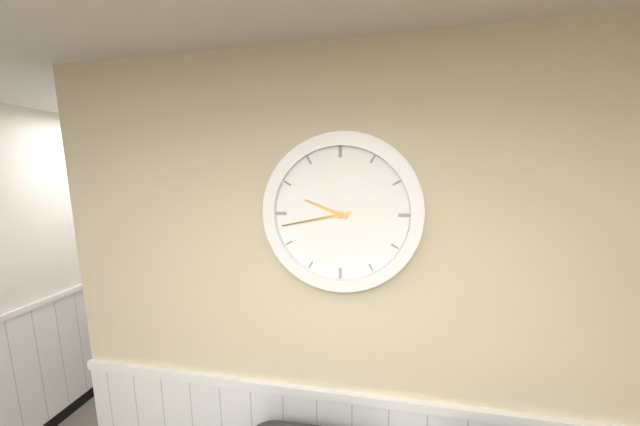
9:43
